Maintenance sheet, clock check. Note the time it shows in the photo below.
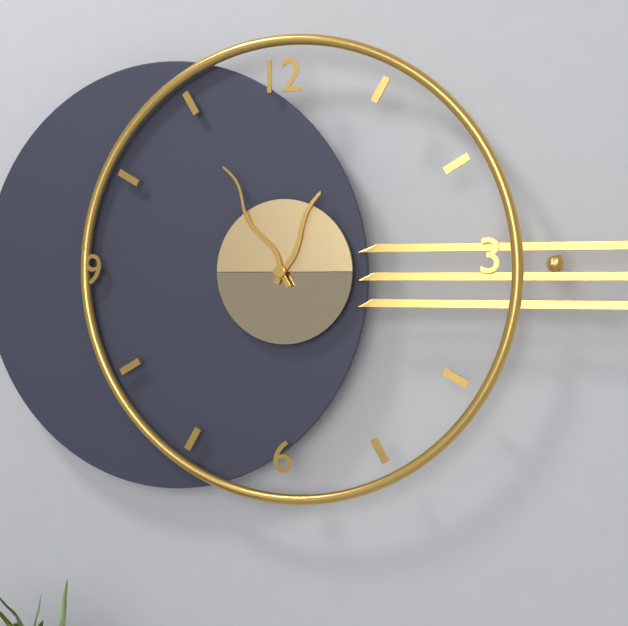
12:55
